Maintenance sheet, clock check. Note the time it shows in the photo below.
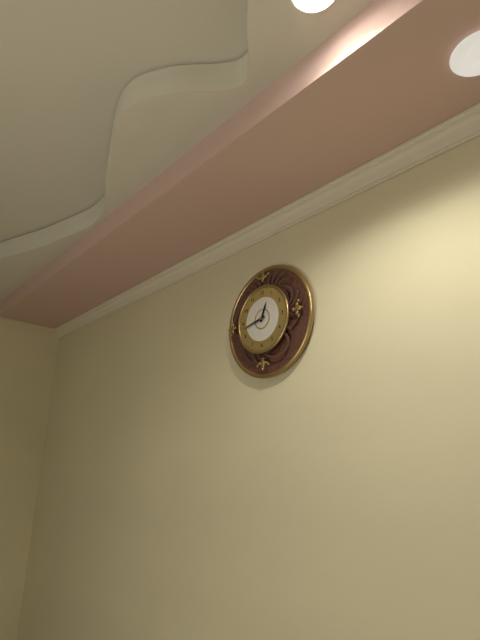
12:43
